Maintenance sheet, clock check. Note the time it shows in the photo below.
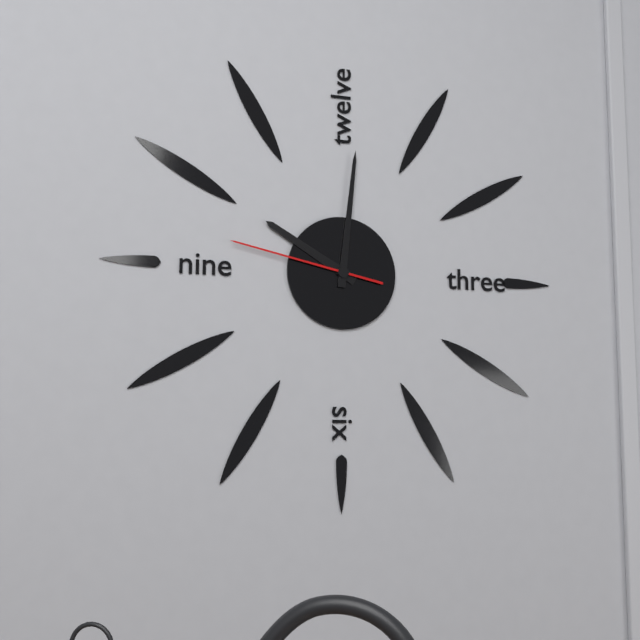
10:01:47
